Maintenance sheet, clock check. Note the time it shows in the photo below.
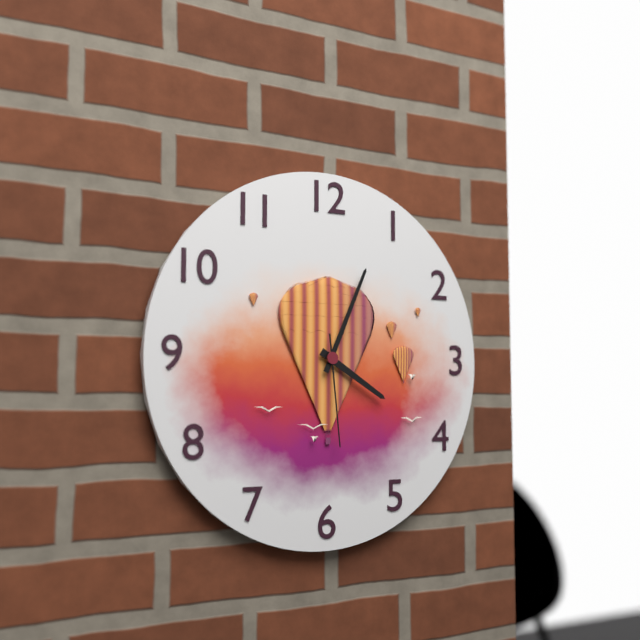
4:04:29
